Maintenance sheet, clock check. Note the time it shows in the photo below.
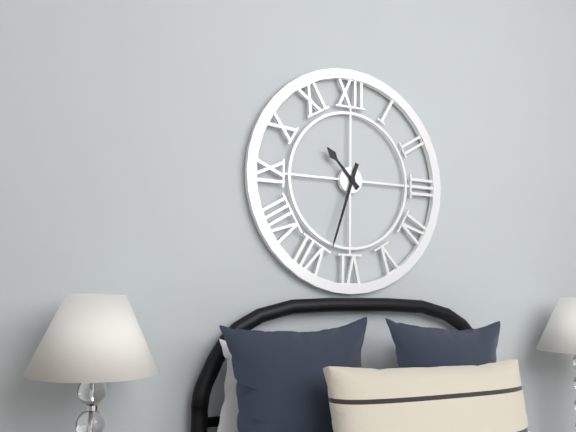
10:33
